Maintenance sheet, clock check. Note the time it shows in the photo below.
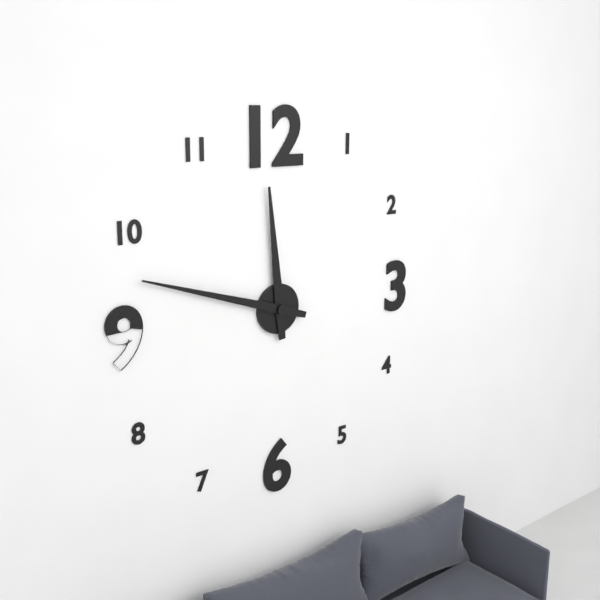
11:48
